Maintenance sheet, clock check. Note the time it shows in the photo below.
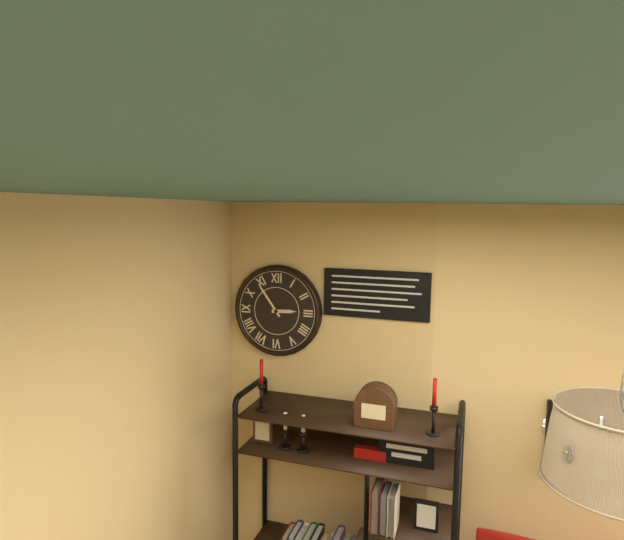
2:54
